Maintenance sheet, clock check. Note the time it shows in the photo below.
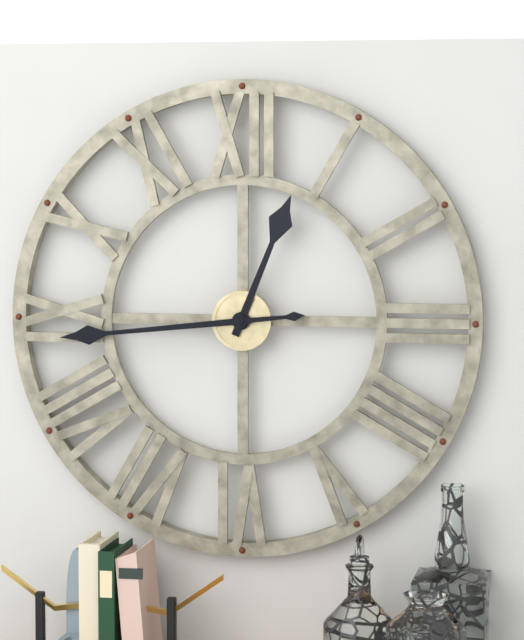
12:44
